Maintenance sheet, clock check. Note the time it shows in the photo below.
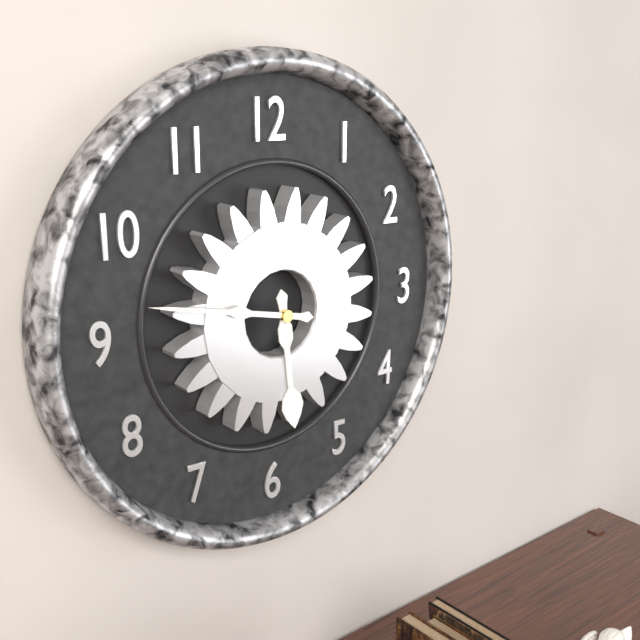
5:47
